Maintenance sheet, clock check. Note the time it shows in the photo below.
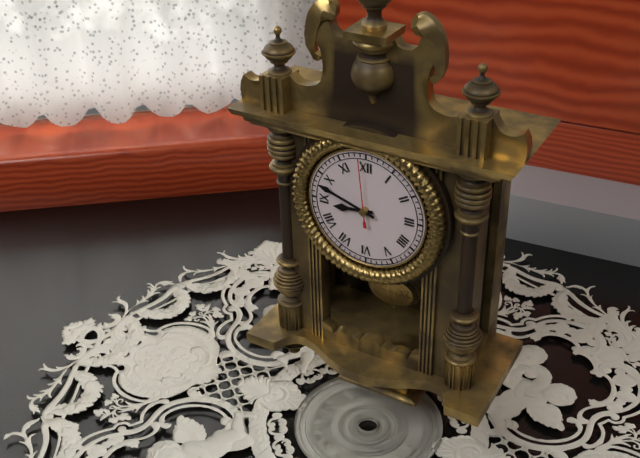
8:48:59
